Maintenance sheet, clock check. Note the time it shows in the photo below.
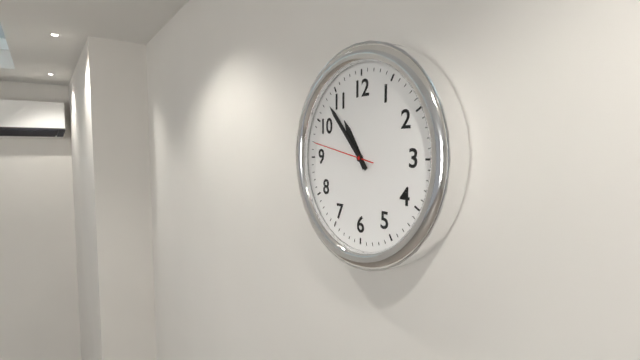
10:53:47
